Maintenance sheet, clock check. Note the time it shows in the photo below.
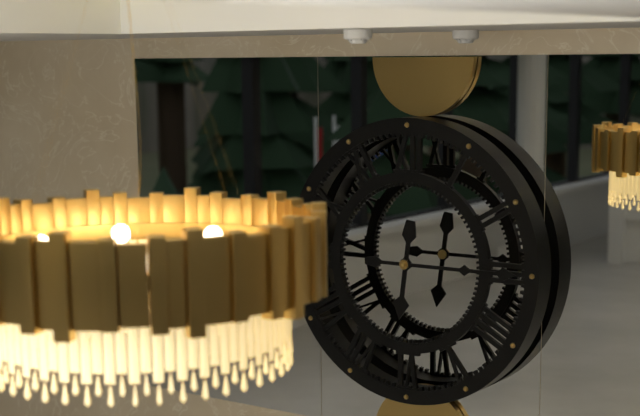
6:15
